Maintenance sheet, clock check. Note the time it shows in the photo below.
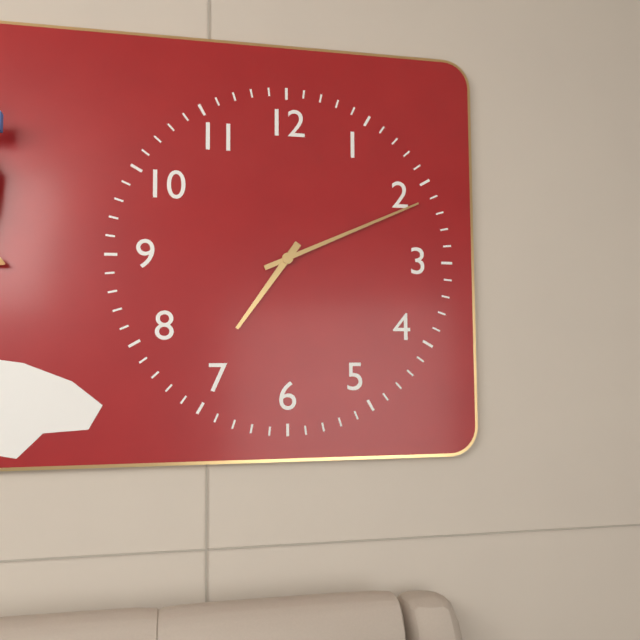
7:11
